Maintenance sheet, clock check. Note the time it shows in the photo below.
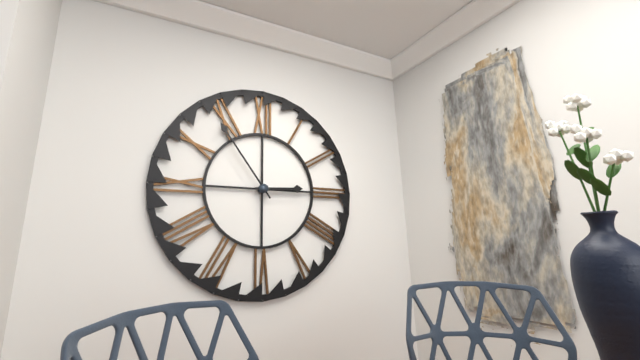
2:54
